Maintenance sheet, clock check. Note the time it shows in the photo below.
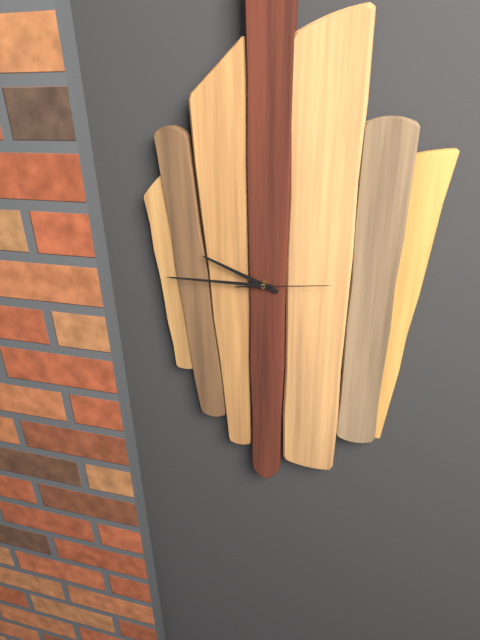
9:45:14
